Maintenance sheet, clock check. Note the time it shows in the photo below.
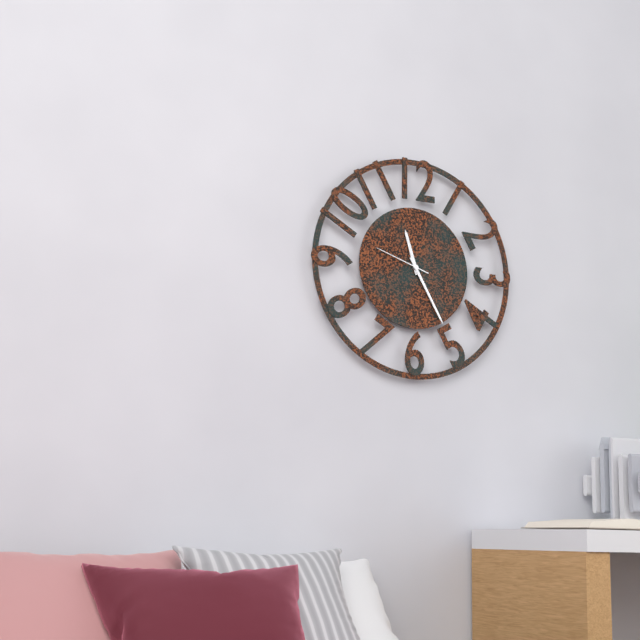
11:25:48
